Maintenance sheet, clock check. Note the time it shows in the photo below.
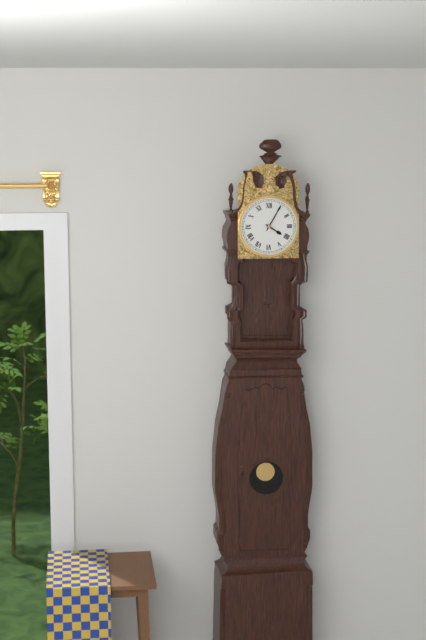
4:05
